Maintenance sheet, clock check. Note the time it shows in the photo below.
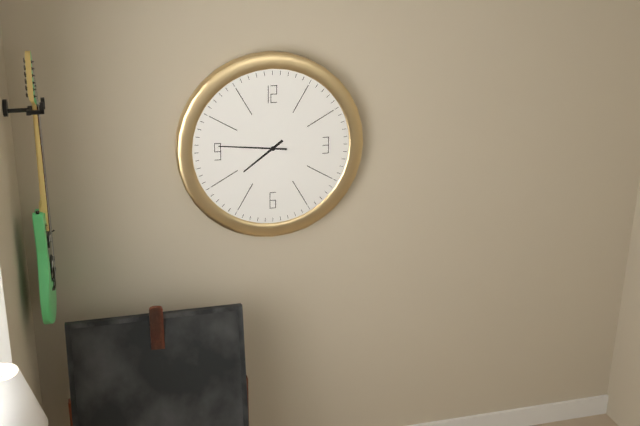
7:46
